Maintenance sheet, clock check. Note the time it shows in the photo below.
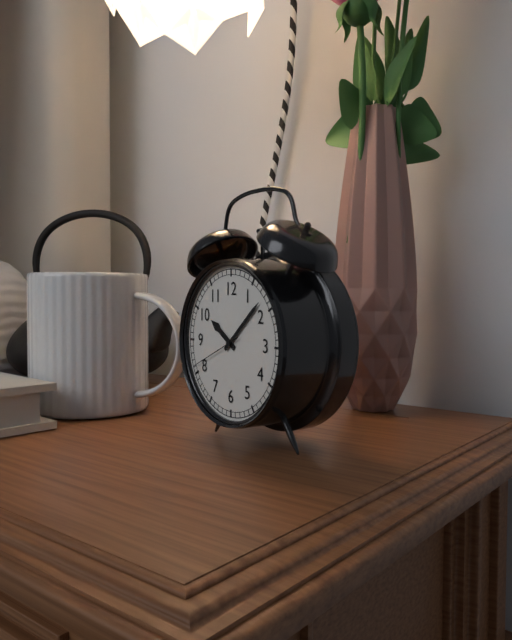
10:08:41
